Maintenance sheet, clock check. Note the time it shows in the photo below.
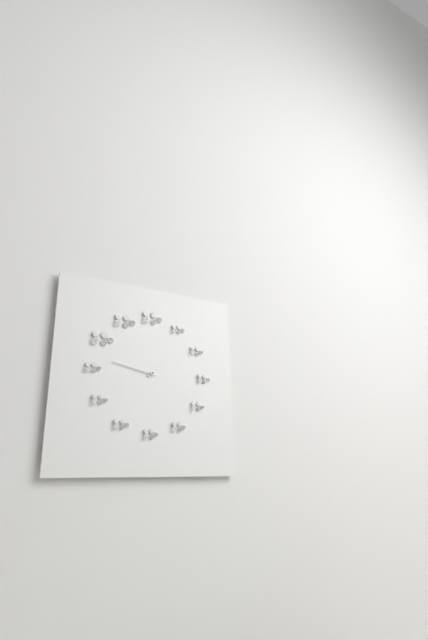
1:47
